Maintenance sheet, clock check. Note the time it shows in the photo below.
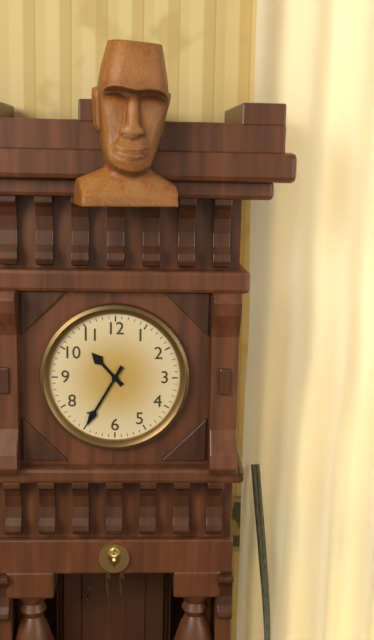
10:35
